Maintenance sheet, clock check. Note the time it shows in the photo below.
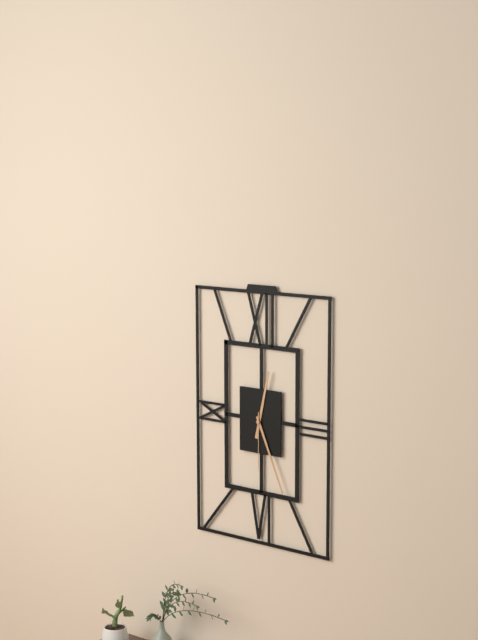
12:26:30
